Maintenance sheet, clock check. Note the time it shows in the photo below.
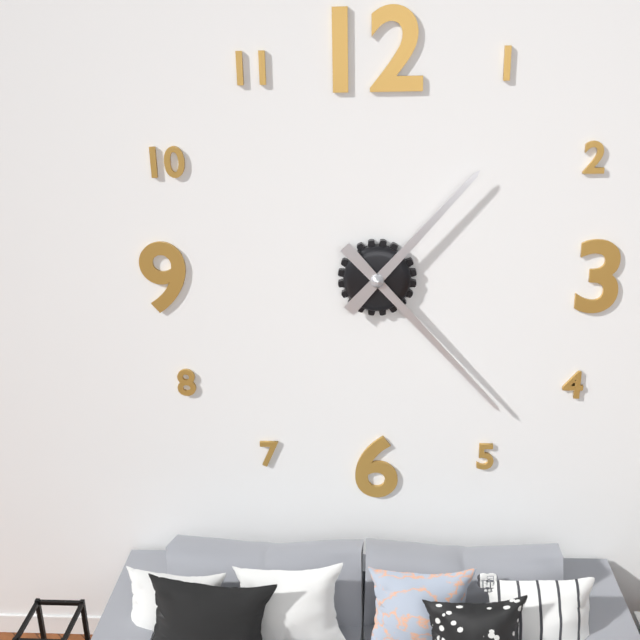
1:23
